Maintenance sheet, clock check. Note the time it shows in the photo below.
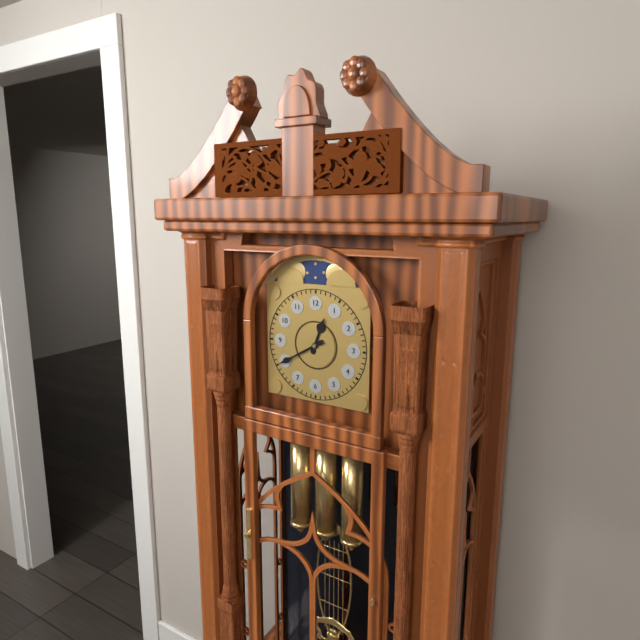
12:40
